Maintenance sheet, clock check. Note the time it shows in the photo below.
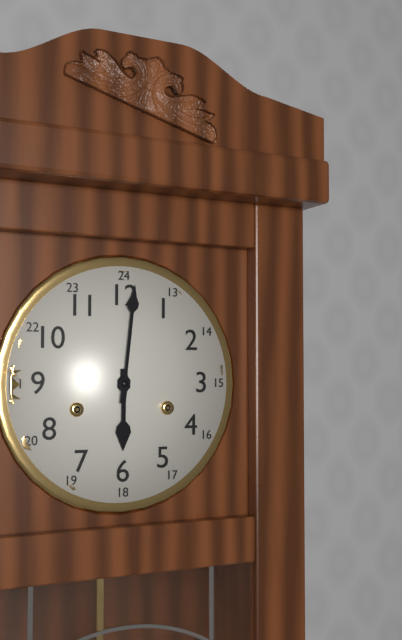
6:01
